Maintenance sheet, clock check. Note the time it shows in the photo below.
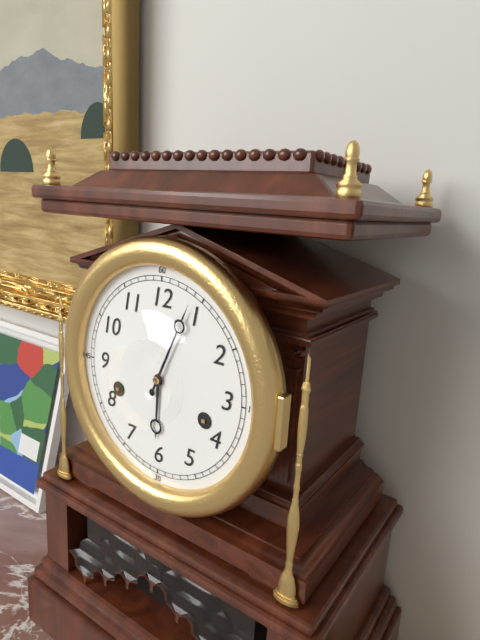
6:04
